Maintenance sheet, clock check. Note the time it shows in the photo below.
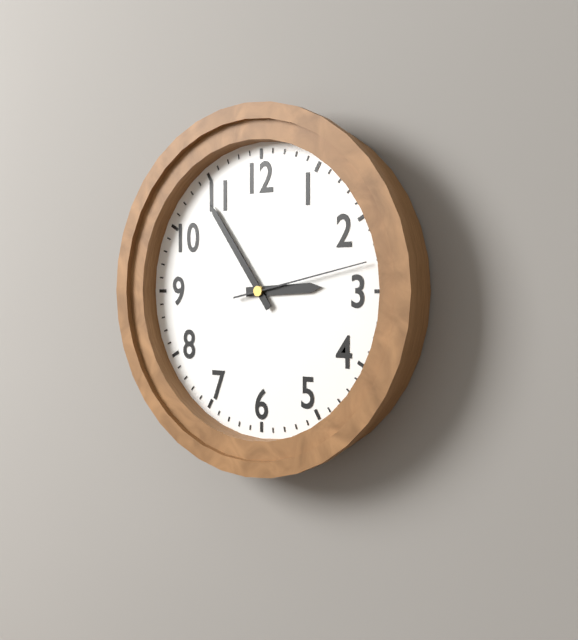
2:54:13
